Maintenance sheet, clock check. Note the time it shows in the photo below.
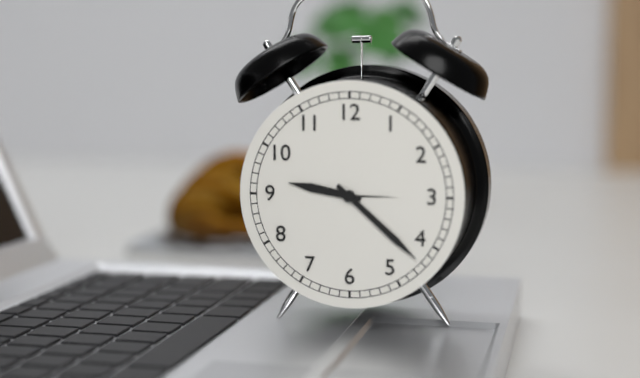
9:22
